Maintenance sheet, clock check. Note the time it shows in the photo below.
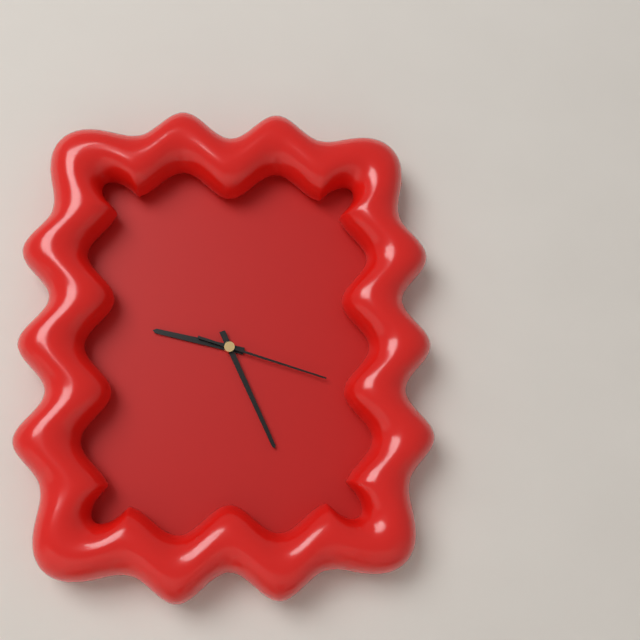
9:26:18
